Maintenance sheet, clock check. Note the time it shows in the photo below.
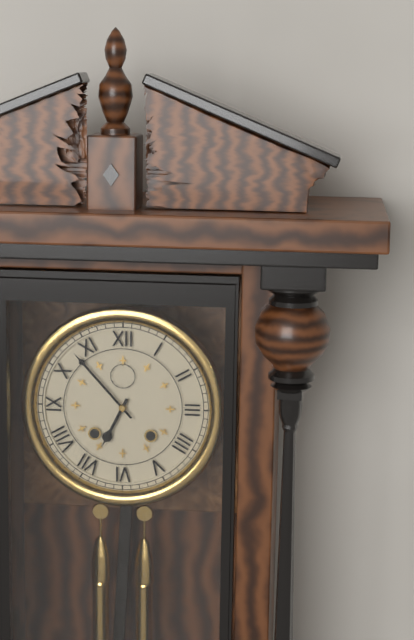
6:53
